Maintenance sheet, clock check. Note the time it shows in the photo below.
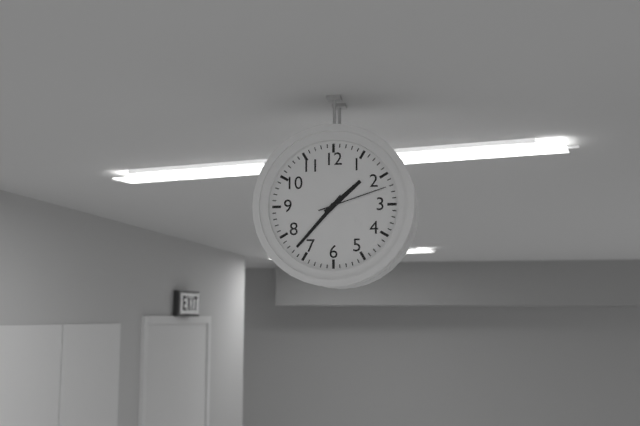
1:37:12
